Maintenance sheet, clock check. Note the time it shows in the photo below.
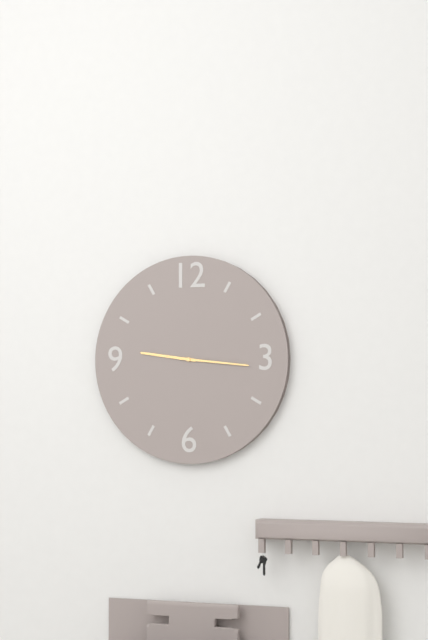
9:16
